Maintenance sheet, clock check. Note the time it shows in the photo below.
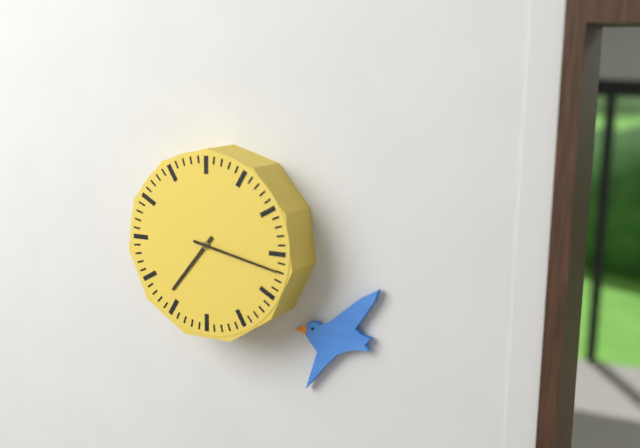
7:17
